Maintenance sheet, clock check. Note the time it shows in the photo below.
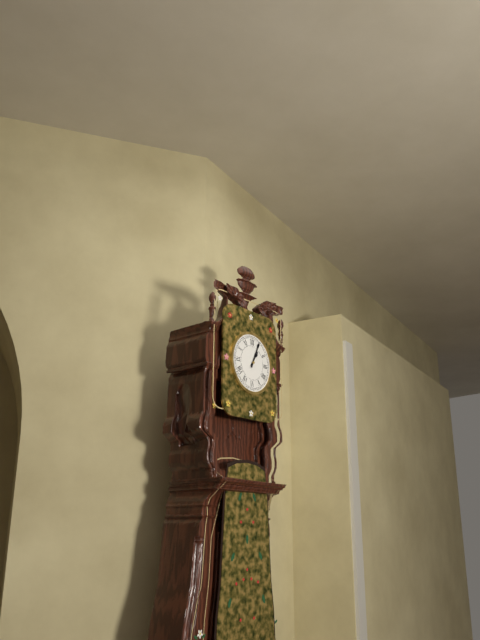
1:04
